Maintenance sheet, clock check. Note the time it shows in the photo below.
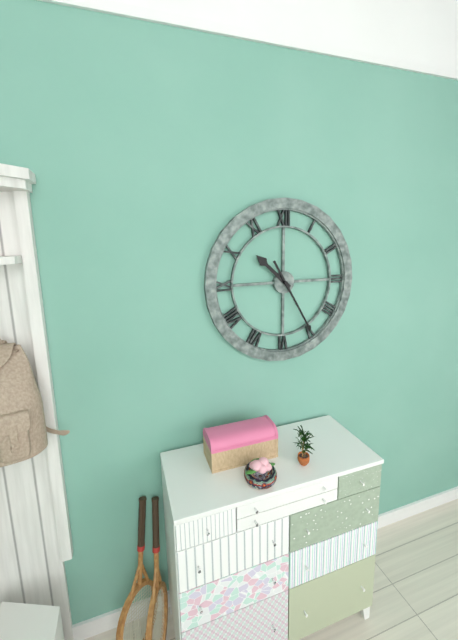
10:25
